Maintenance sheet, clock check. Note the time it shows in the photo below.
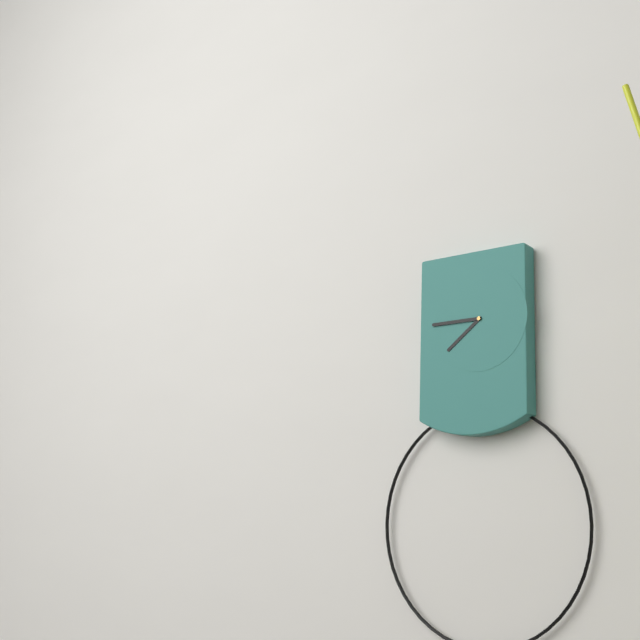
7:45
